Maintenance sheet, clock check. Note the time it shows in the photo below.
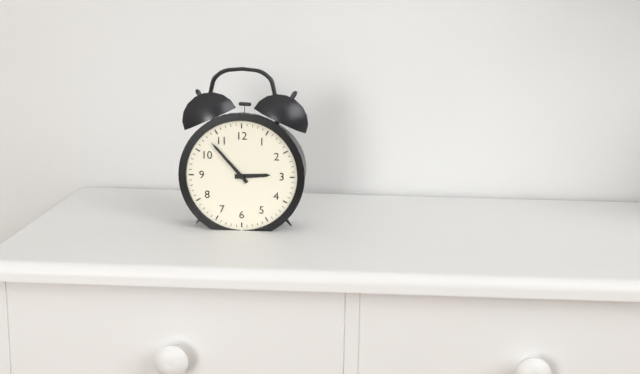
2:53
